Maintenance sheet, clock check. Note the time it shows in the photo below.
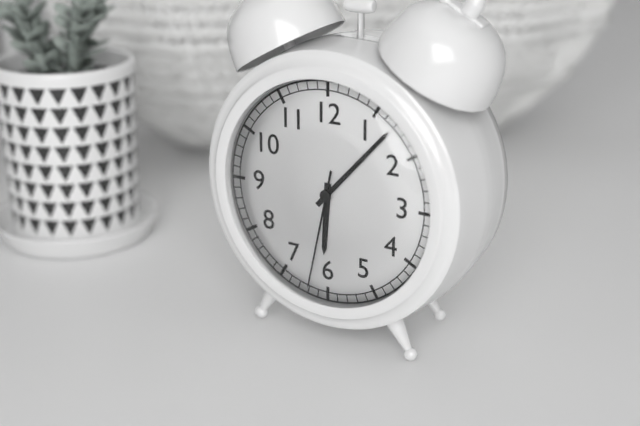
6:07:32
